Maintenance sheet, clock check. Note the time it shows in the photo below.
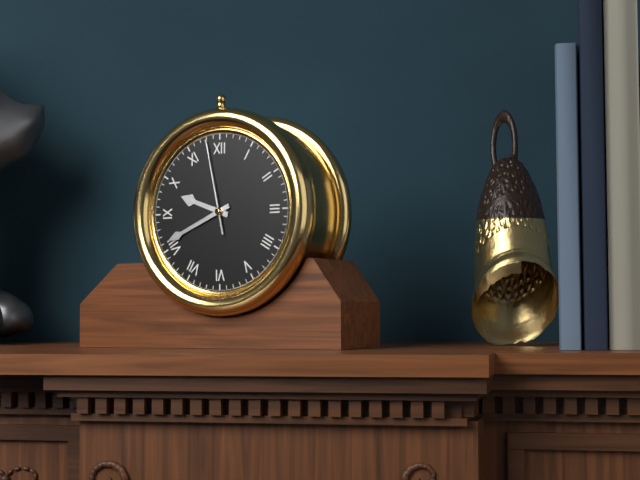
9:41:58
